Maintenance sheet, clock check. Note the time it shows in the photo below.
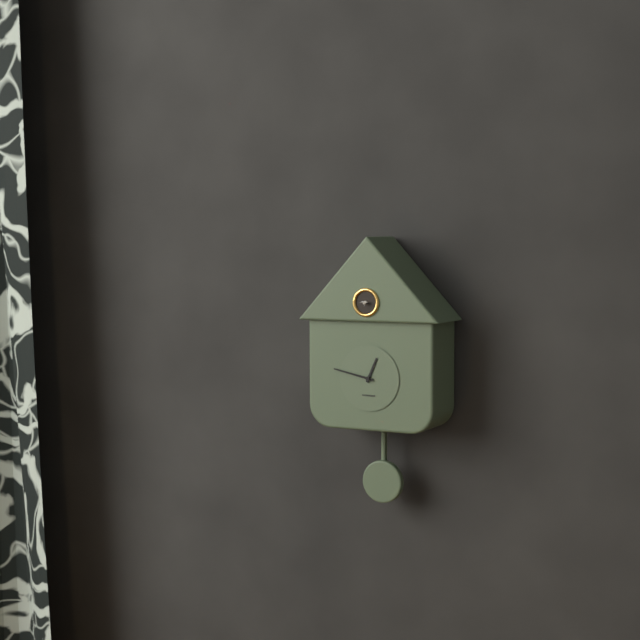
12:47
